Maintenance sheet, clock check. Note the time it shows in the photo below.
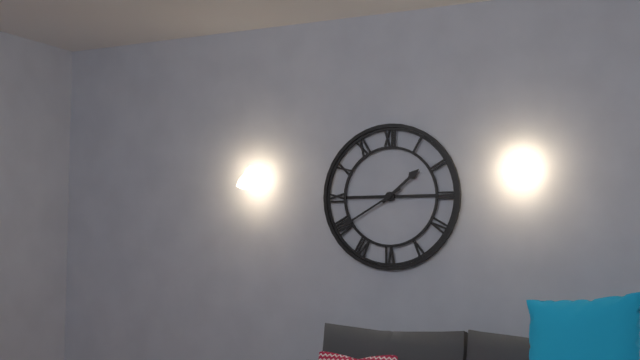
1:40
